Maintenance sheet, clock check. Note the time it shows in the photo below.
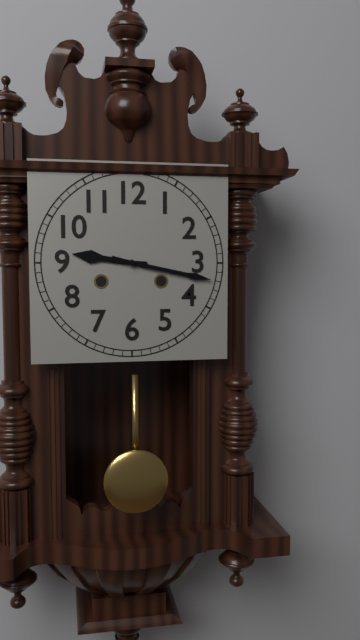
9:17
